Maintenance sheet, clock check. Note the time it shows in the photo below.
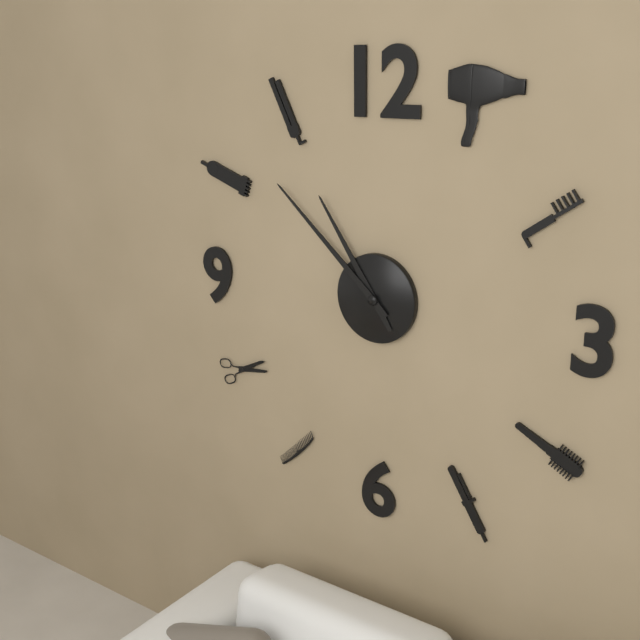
10:52
